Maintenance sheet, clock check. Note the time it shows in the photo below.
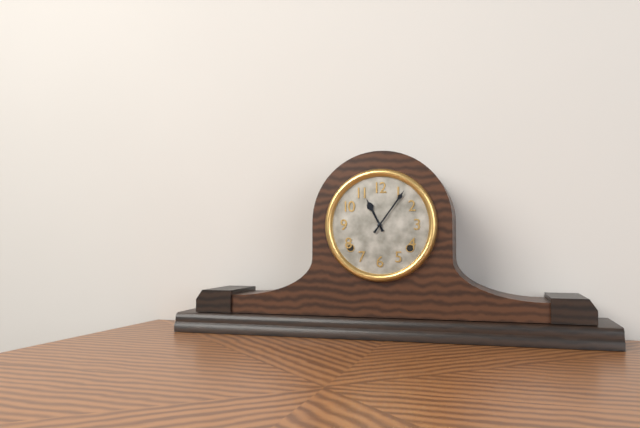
11:06
